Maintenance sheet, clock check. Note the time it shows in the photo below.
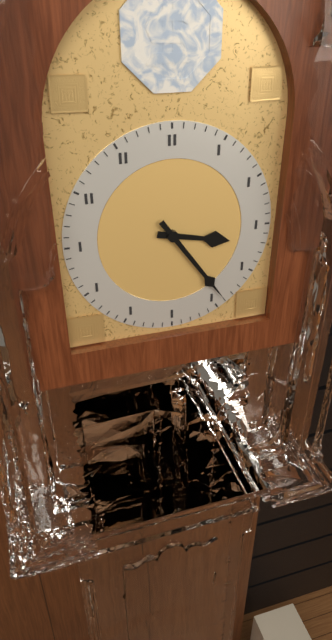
3:24
